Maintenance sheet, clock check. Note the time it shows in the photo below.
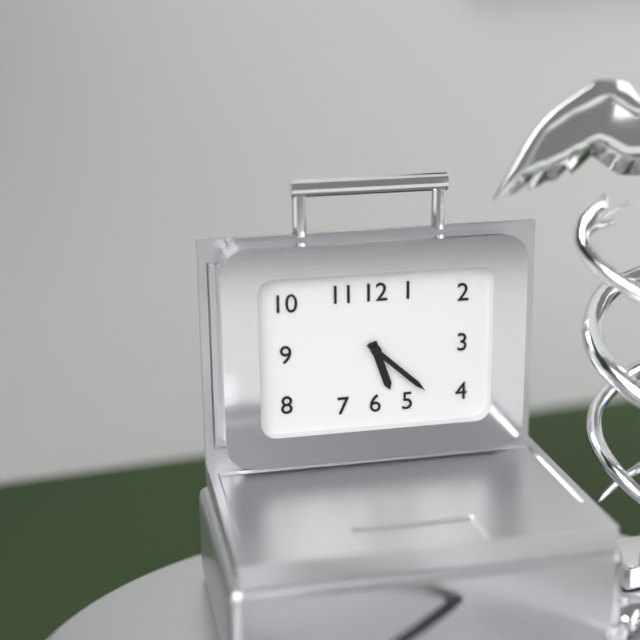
5:22
